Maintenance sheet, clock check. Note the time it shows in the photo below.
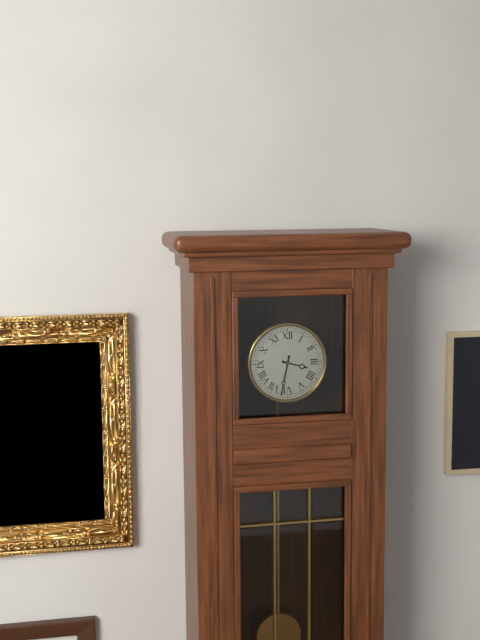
3:32
